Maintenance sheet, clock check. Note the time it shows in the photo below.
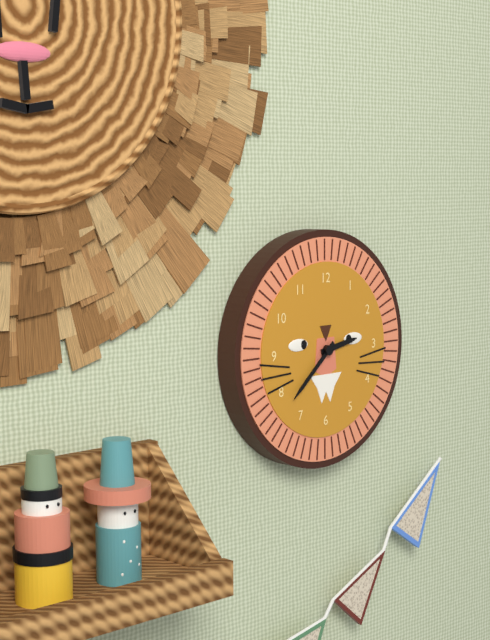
2:38
